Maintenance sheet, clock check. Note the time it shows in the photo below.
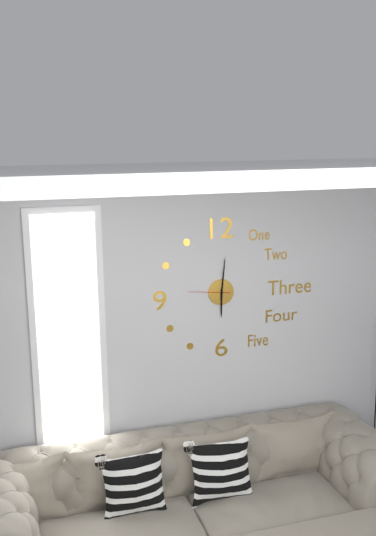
6:01
